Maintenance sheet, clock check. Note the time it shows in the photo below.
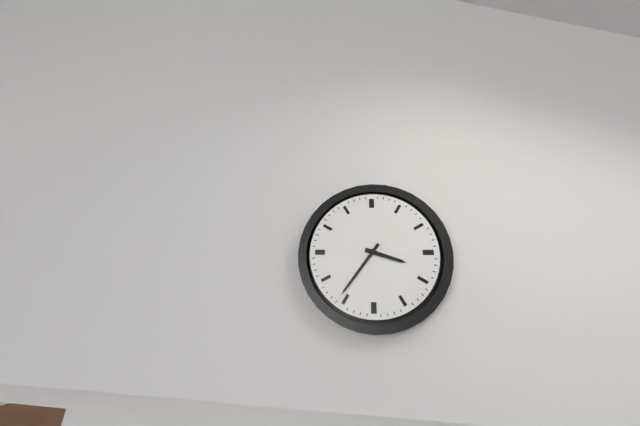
3:36
